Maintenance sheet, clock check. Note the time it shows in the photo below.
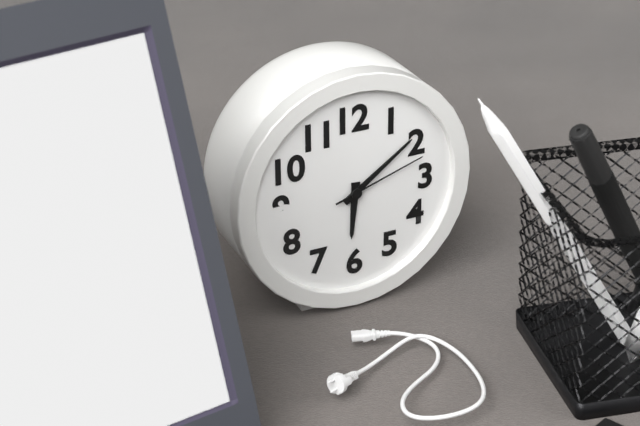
6:09:12
